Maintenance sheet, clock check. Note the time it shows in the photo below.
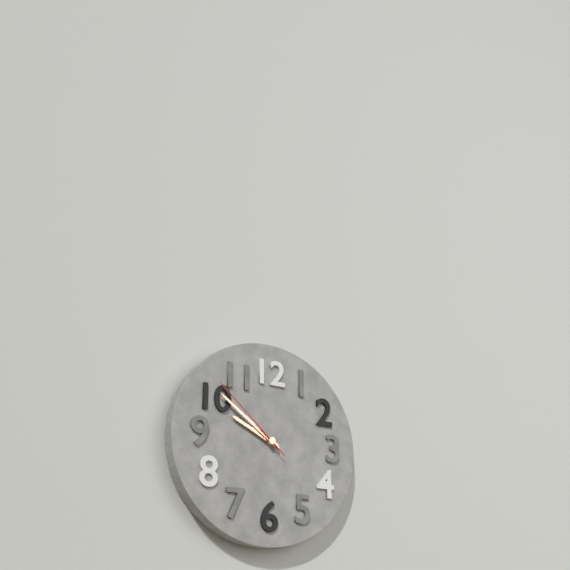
9:51:52
